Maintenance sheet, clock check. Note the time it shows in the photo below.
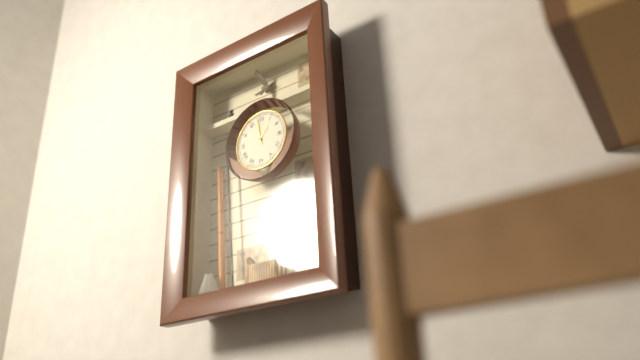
12:58
